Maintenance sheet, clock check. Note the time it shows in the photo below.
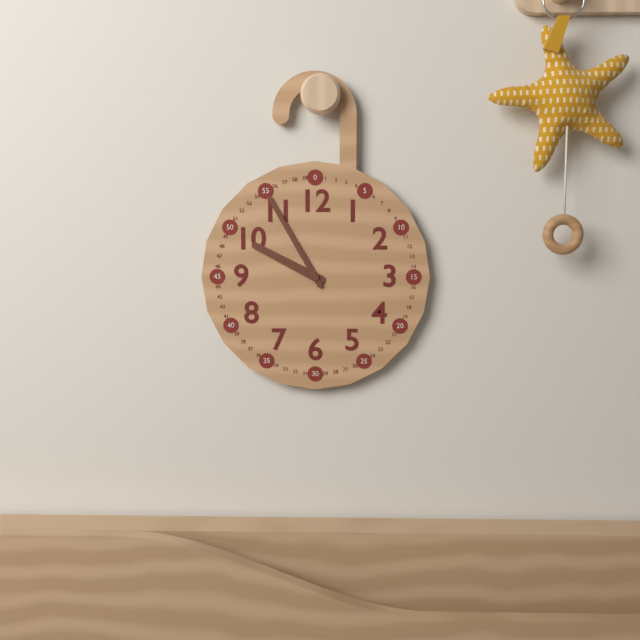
9:55
